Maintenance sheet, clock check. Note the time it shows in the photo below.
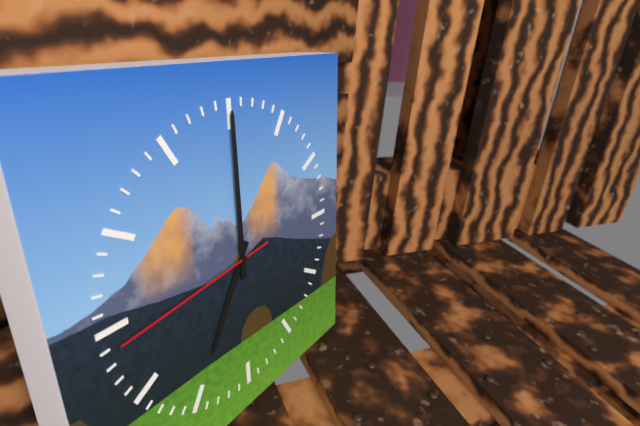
7:00:44
